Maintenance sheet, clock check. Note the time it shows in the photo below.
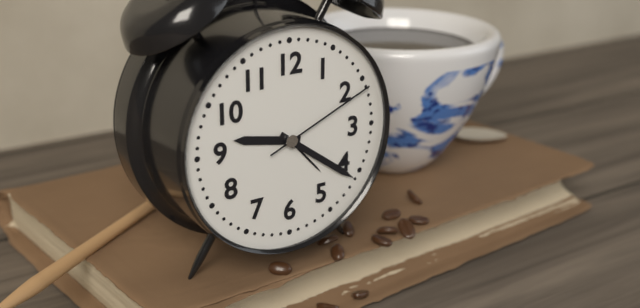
9:21:11
